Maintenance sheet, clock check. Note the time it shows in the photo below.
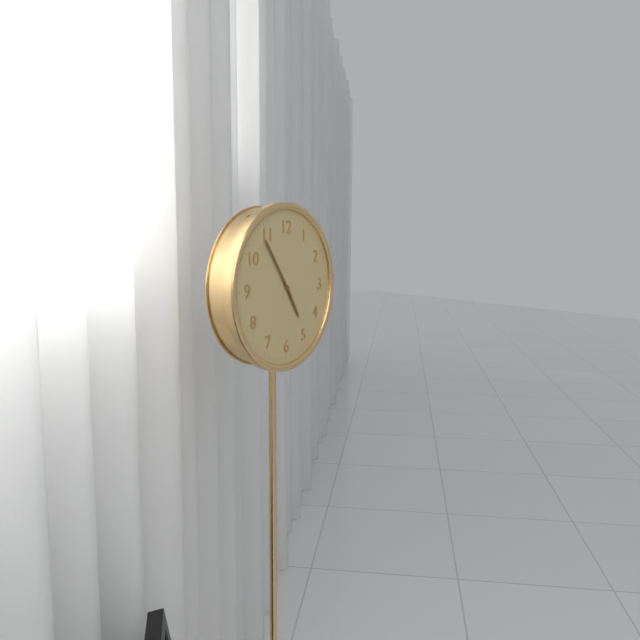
4:54
